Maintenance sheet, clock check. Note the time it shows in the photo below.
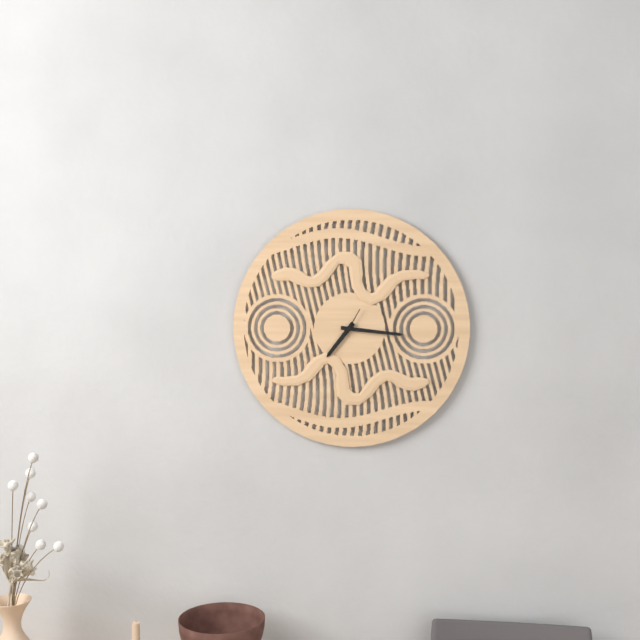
7:16
